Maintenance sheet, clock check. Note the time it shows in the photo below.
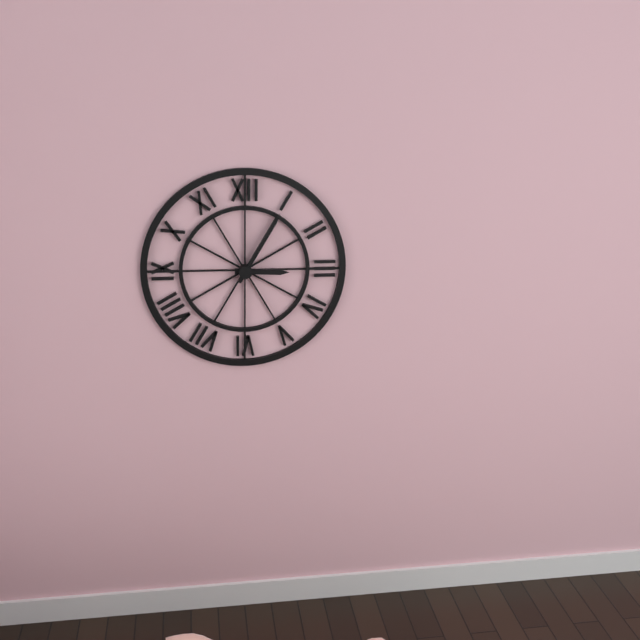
3:05
